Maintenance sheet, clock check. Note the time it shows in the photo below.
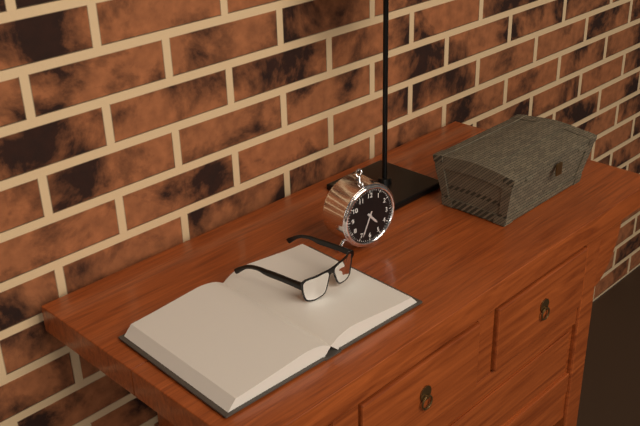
4:34
